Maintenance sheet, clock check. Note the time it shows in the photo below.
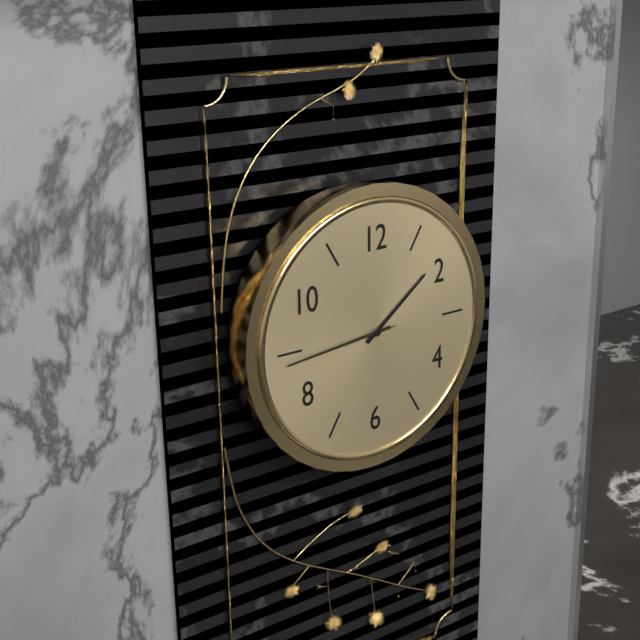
1:44:44
